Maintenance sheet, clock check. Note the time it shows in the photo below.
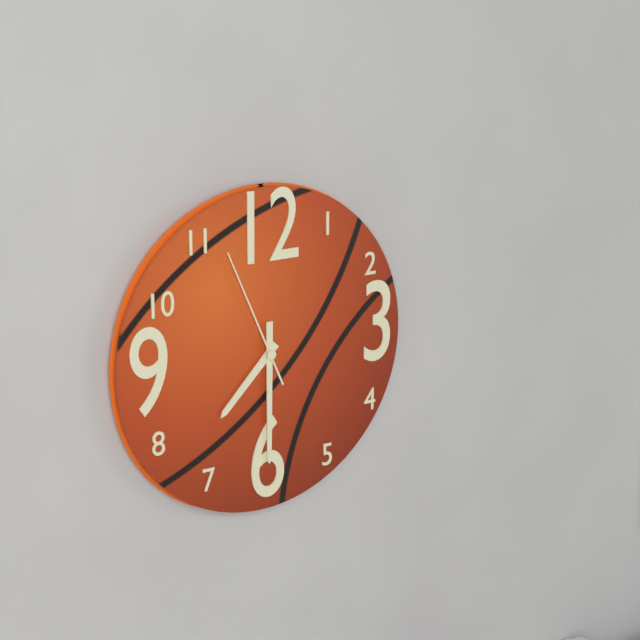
7:30:56
